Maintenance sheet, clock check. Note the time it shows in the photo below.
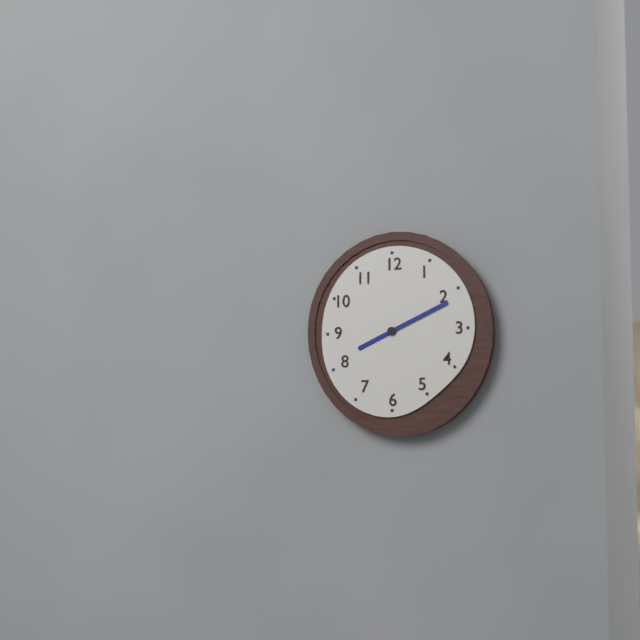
8:11
